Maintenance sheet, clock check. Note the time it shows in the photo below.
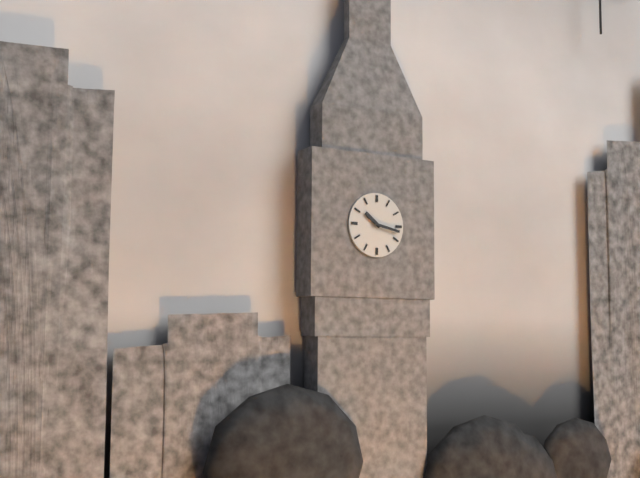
10:17
